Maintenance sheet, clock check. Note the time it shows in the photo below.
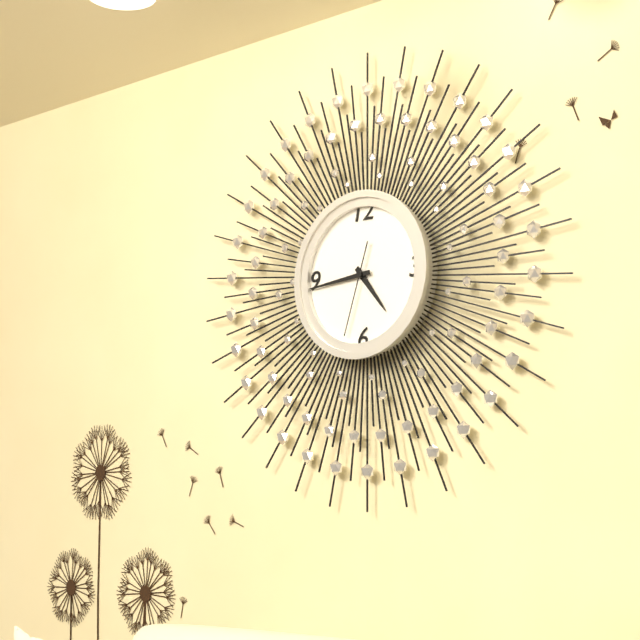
4:44:33
